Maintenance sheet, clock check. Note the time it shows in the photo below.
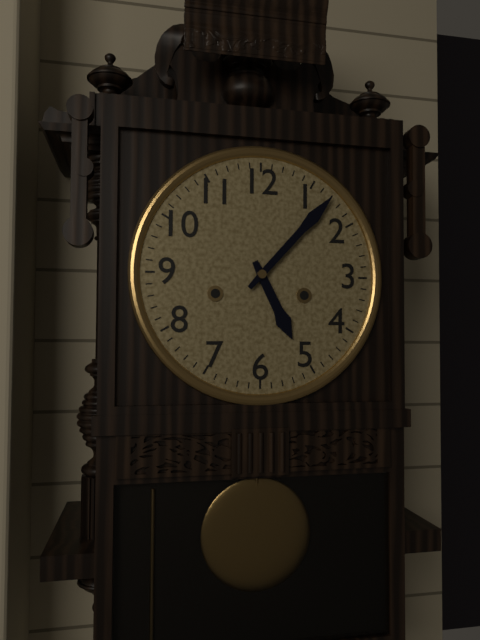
5:07
